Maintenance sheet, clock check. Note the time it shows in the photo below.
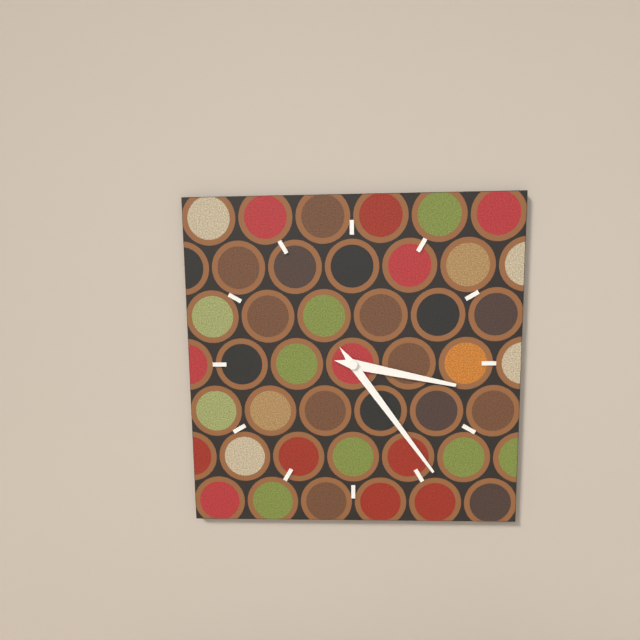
3:24
